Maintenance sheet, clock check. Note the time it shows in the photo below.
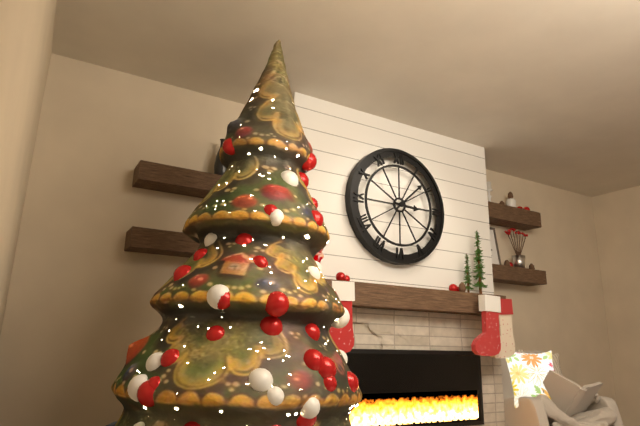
3:08
